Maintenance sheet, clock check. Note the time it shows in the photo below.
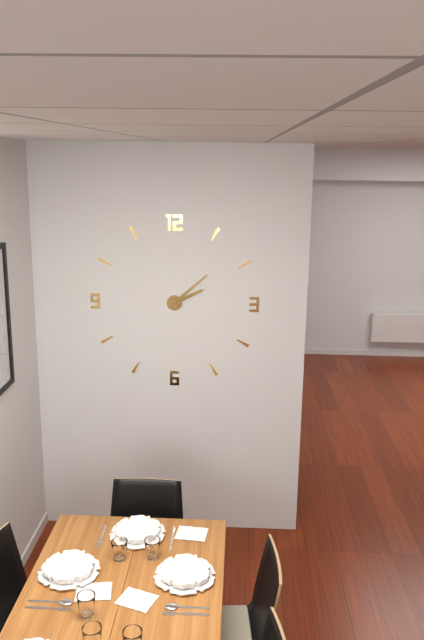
2:08
